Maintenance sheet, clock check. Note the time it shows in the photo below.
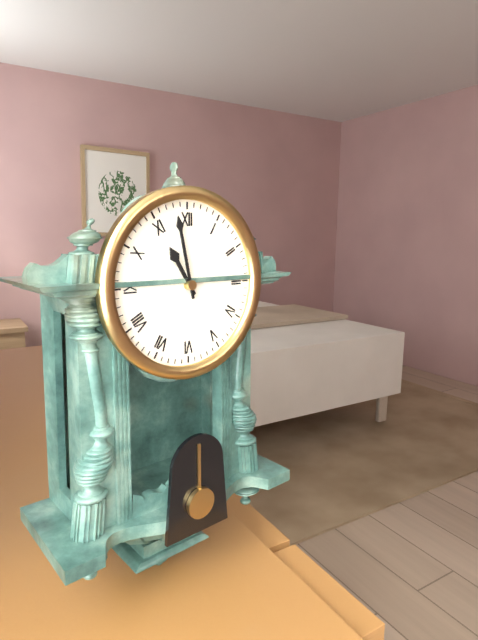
10:58
